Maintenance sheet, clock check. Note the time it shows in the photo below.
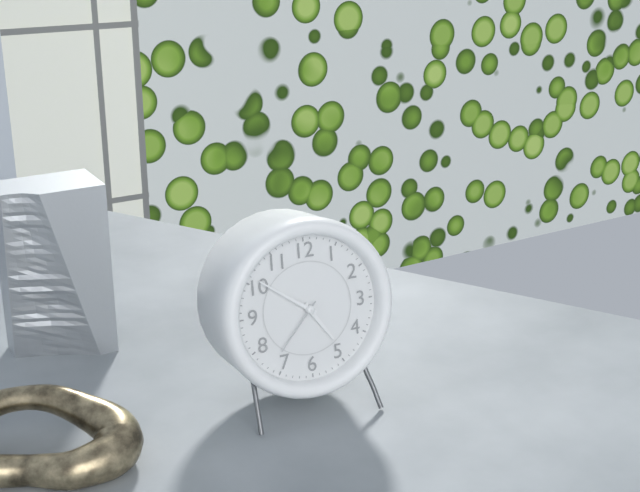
4:51:37
